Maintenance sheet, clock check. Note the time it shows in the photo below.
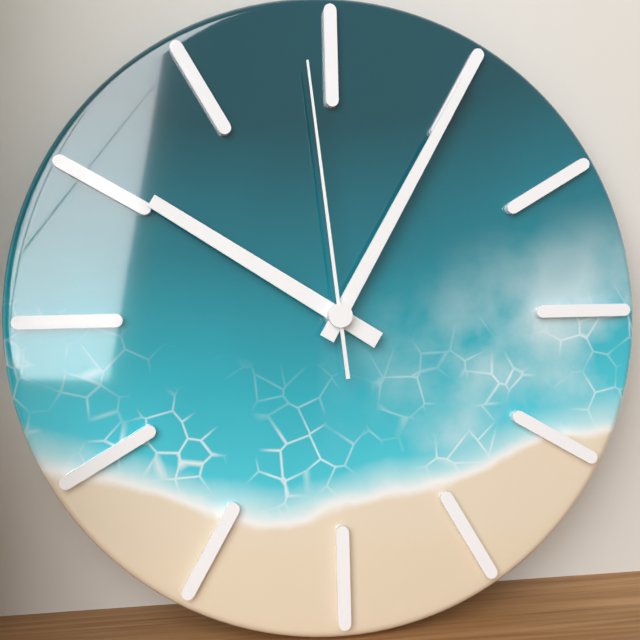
10:05:59
